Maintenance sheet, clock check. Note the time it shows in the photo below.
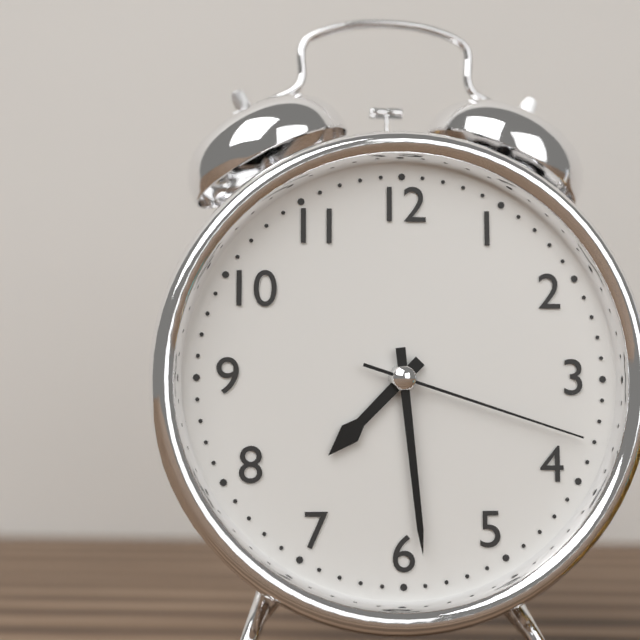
7:29:18
